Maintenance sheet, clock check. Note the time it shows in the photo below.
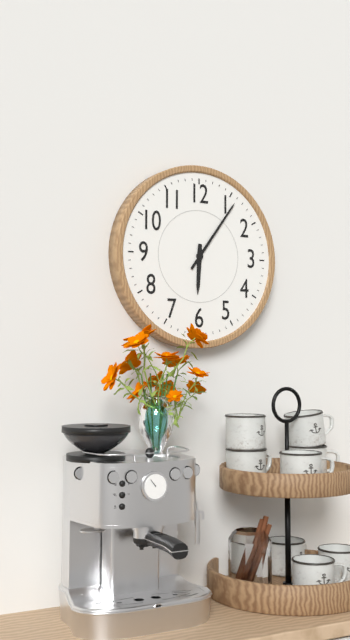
6:06
